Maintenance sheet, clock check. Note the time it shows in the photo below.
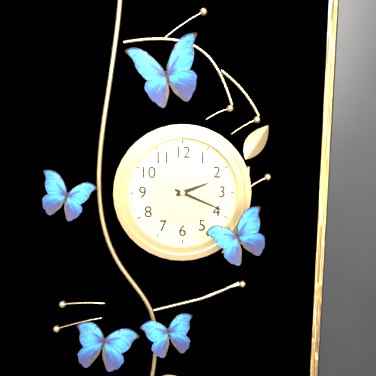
2:19
